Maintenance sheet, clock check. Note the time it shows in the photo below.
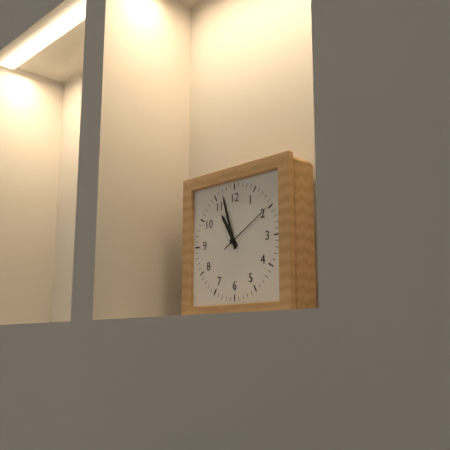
10:57:10
